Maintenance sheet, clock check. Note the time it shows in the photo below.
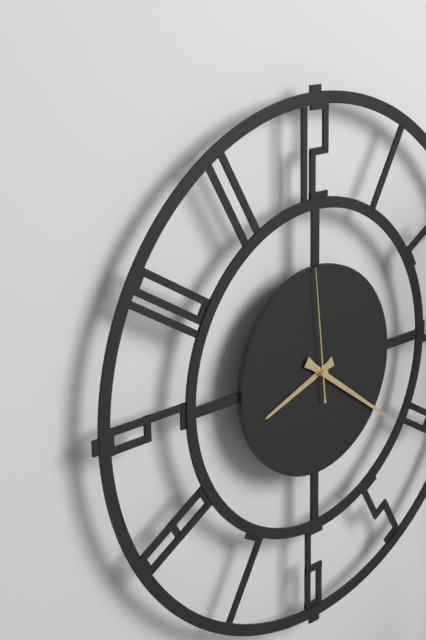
8:21:59
